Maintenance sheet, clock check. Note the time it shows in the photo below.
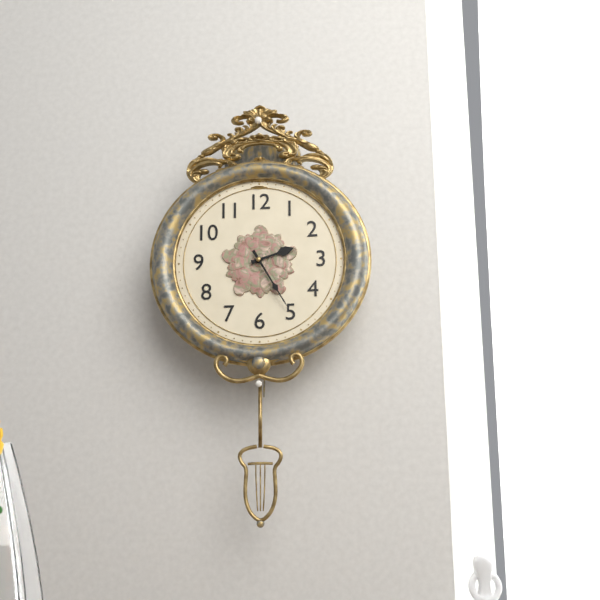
2:25
